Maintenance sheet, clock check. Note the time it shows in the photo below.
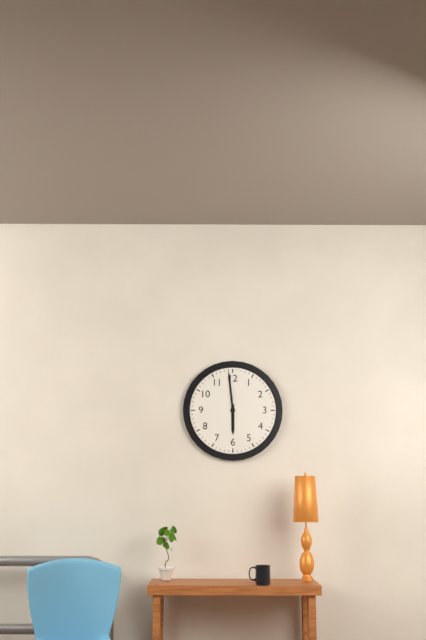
5:59
